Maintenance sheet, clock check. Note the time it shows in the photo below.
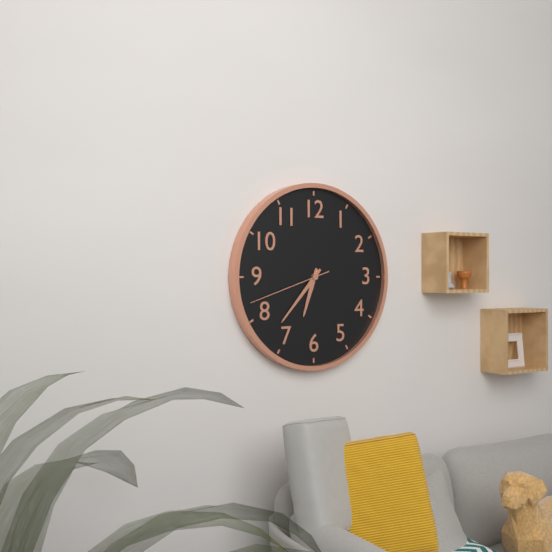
6:37:42
